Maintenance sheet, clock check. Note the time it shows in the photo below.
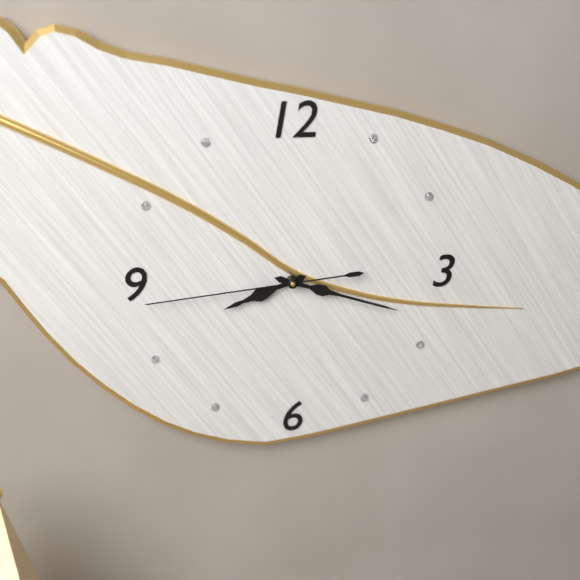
8:18:44
